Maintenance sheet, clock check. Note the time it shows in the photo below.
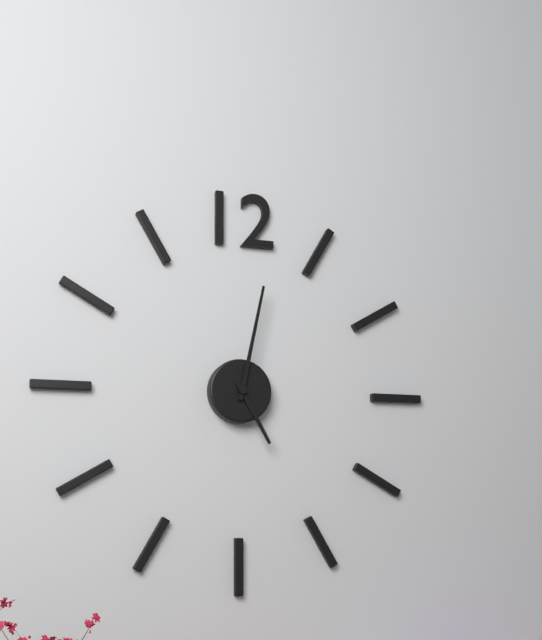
5:02
